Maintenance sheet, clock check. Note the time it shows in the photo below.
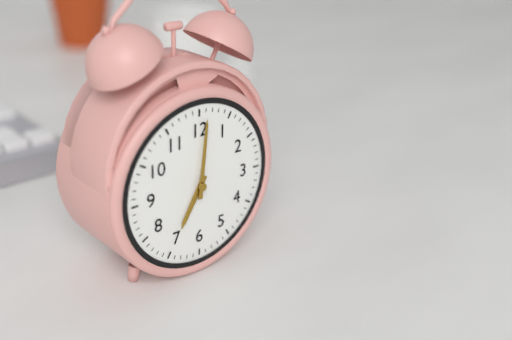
7:01
